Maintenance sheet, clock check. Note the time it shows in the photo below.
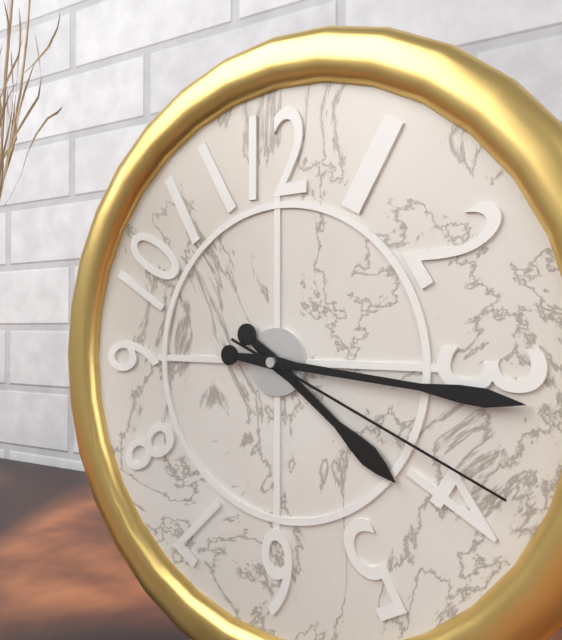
4:16:19
